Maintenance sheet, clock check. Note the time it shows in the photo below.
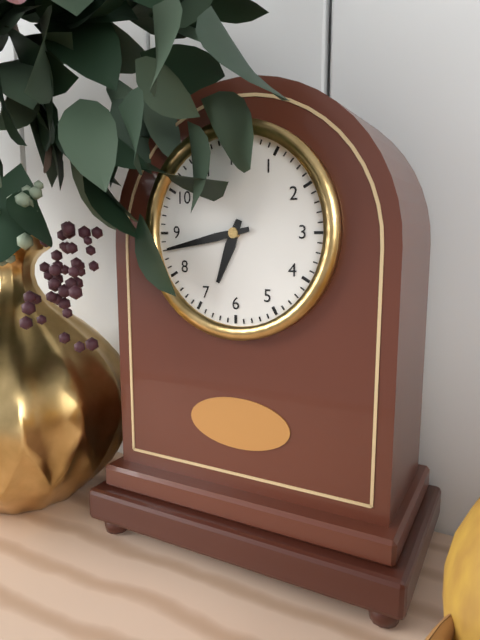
6:43
